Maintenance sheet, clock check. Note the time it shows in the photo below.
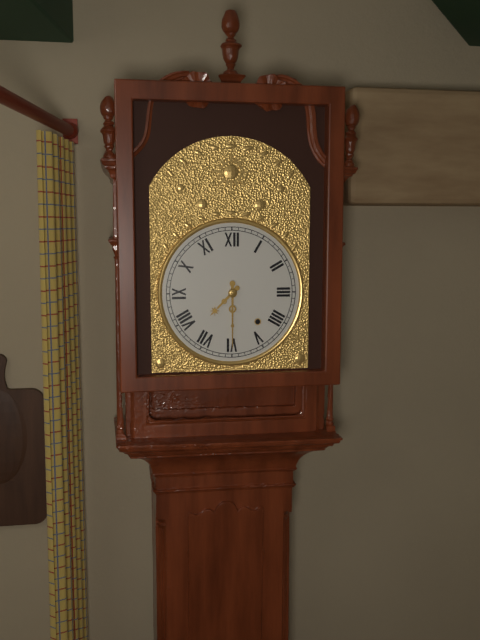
7:30
